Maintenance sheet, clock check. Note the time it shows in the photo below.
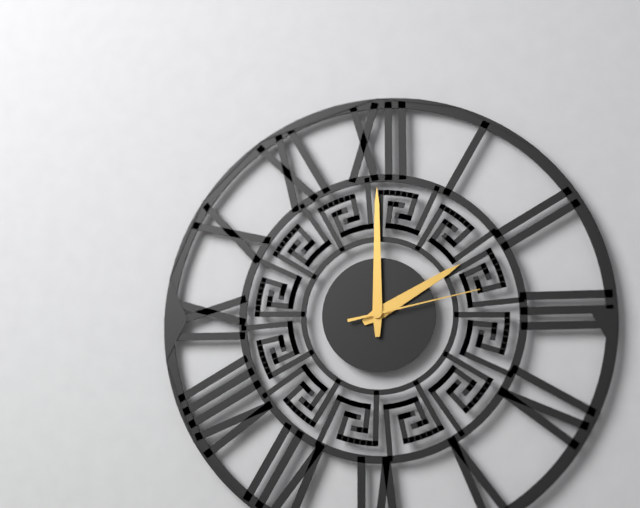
2:00:13
